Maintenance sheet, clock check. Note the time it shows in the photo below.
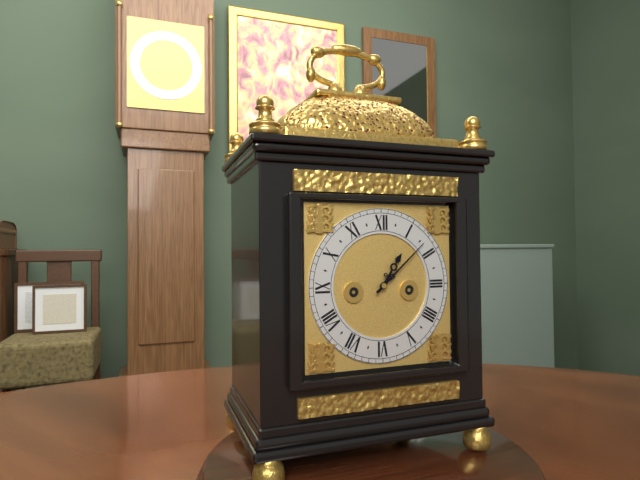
1:08
